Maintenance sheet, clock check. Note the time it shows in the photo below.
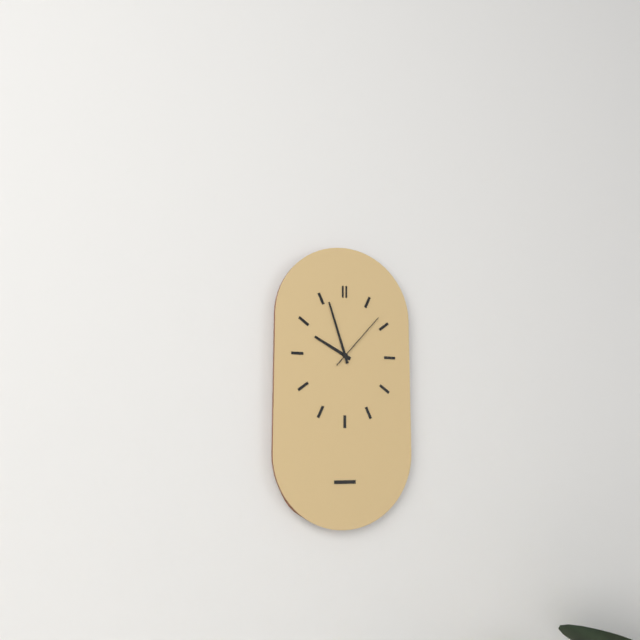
9:57:07
